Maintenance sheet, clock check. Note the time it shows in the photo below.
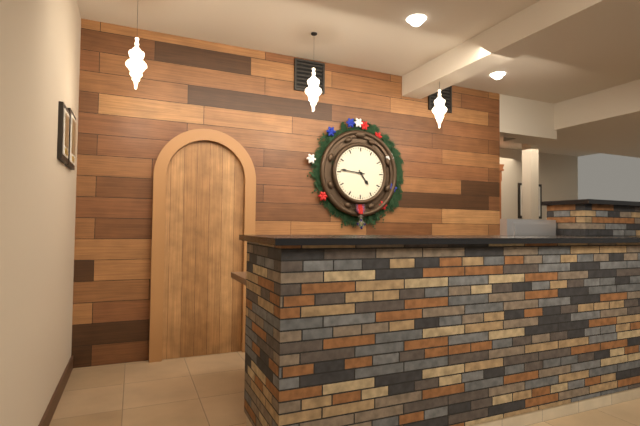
4:46
